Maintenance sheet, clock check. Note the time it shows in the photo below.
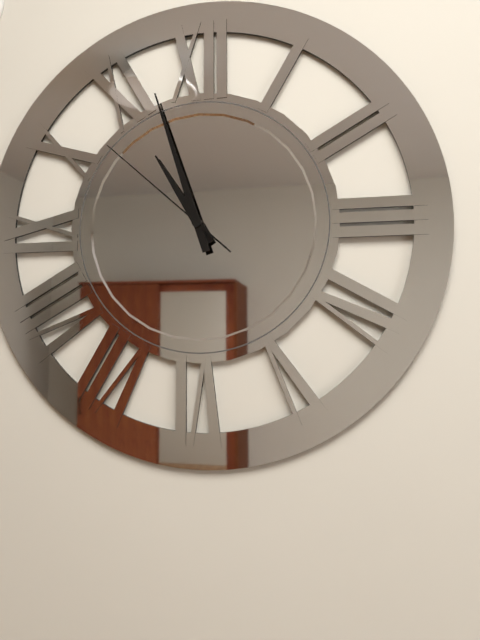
10:57:52
